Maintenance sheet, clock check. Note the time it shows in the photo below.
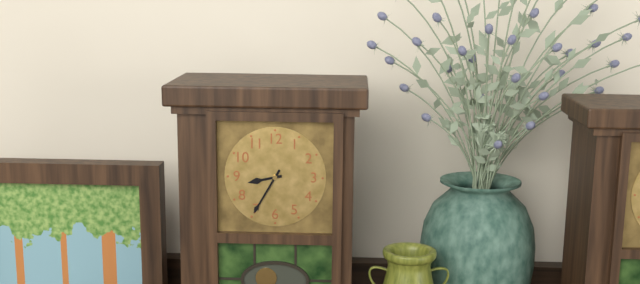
8:35
